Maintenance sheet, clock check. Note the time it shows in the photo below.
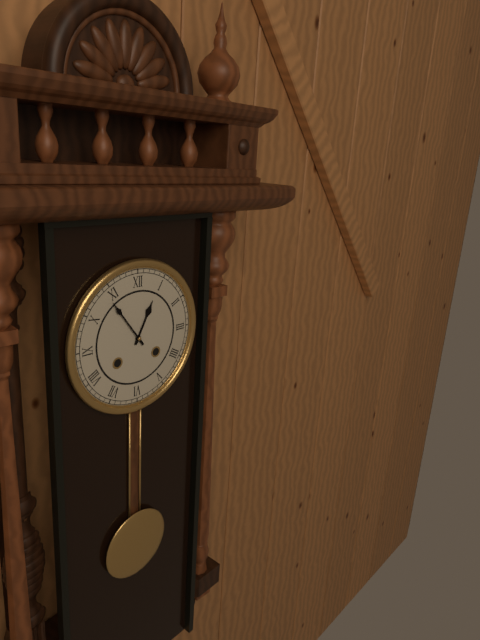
12:54
